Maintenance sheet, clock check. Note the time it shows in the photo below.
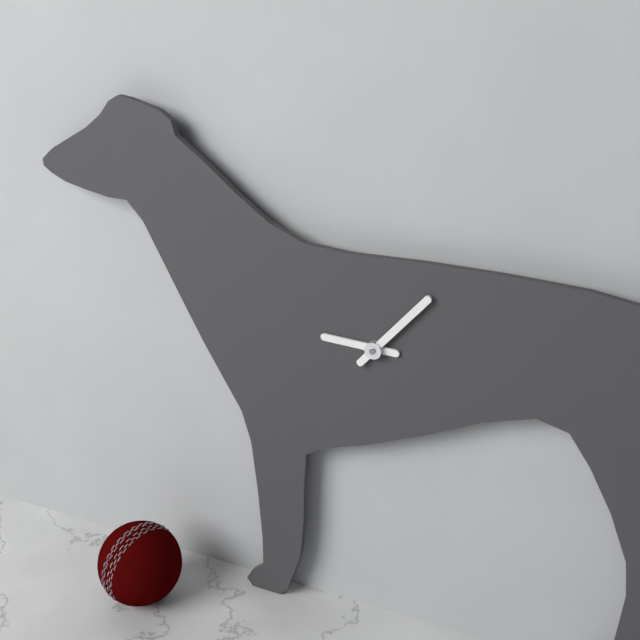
9:07
